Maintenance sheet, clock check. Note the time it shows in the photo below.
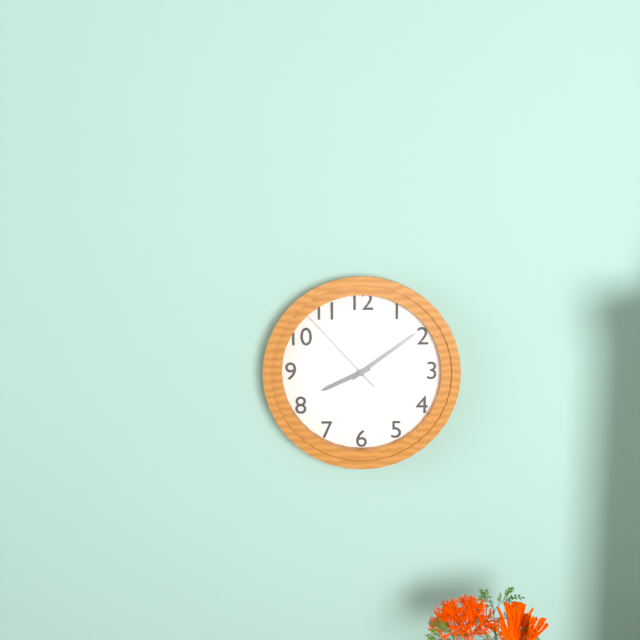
8:09:53
